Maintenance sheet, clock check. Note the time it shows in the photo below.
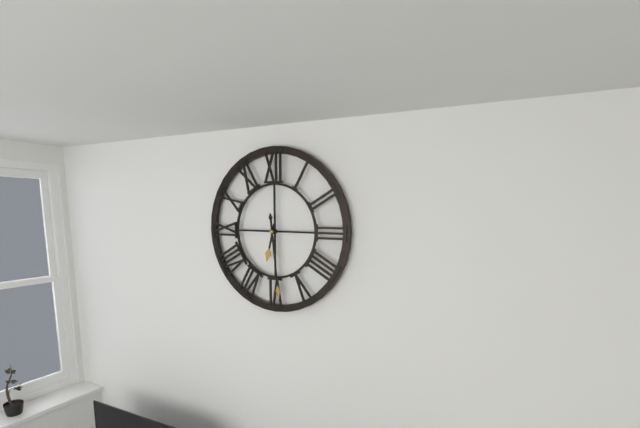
6:29
